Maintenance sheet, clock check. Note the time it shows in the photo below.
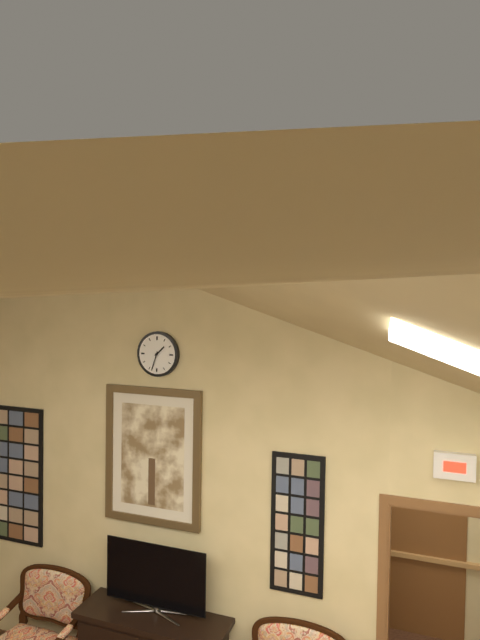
1:33
